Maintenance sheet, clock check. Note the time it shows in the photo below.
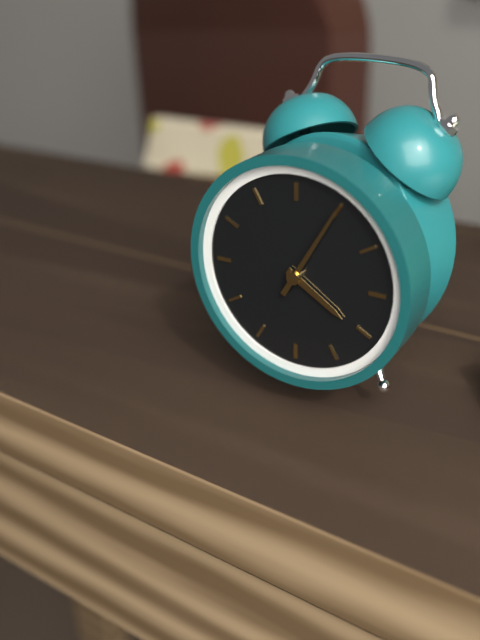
4:05
